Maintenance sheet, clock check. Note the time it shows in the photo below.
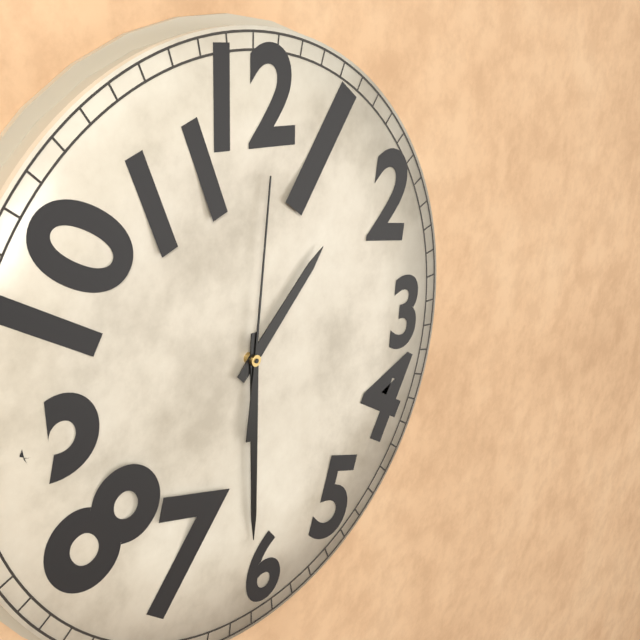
1:30:01
